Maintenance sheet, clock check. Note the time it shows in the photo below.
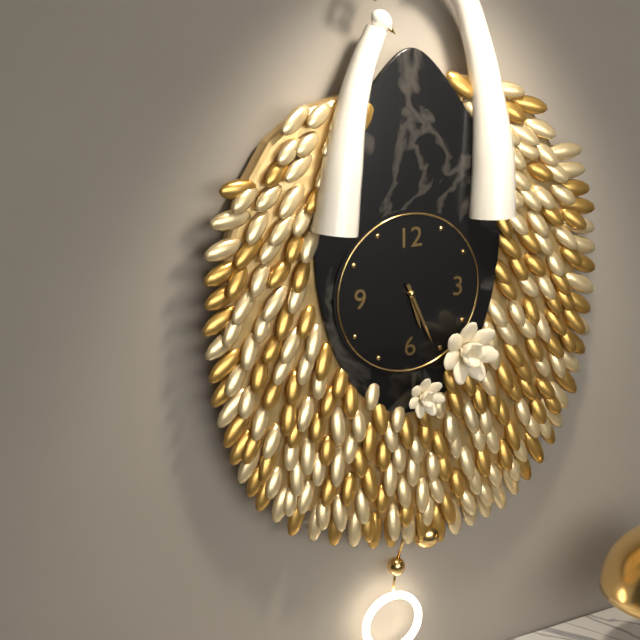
5:26
